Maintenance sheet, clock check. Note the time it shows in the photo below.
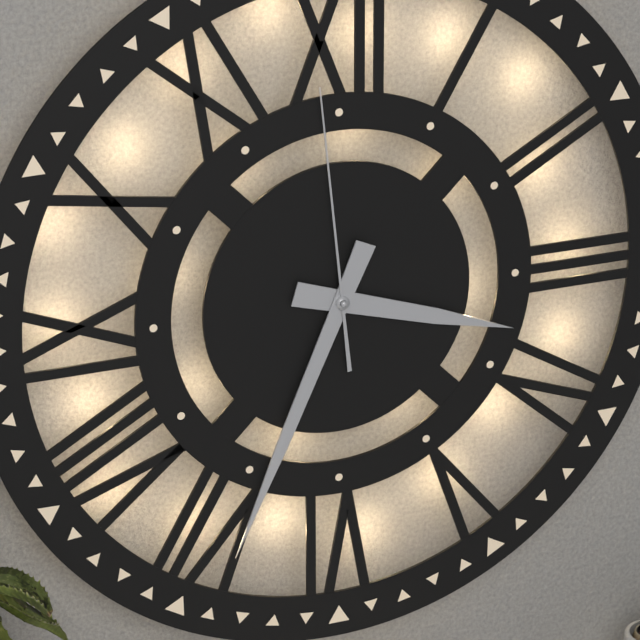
3:34:59
